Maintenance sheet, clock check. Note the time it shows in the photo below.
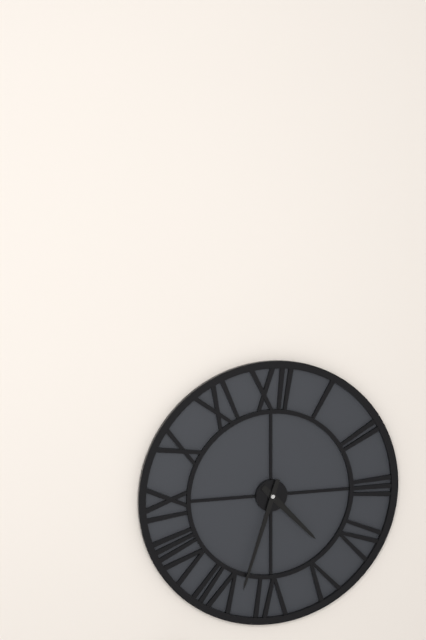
4:33
